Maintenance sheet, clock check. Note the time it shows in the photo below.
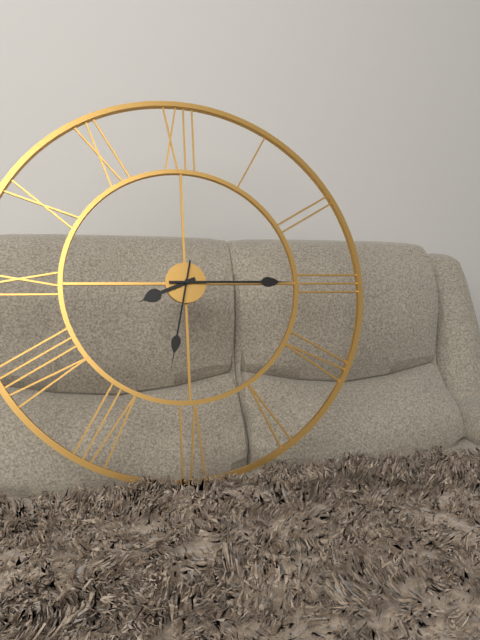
8:15:32
